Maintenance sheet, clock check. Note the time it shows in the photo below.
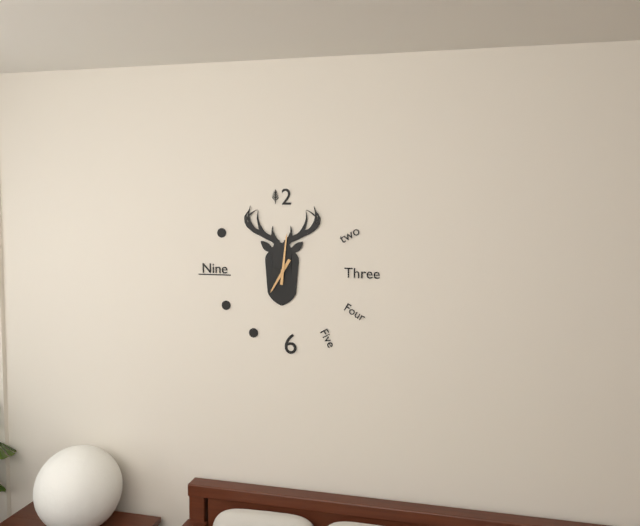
7:01
